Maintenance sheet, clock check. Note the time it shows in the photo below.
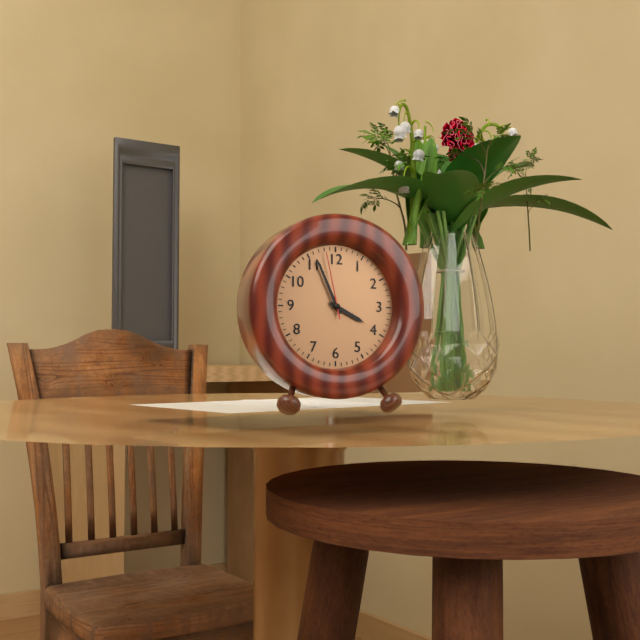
3:56:58
